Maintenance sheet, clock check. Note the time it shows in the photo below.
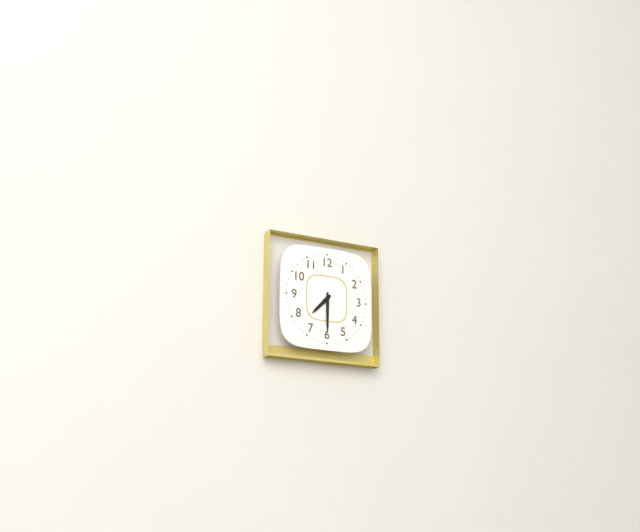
7:30
